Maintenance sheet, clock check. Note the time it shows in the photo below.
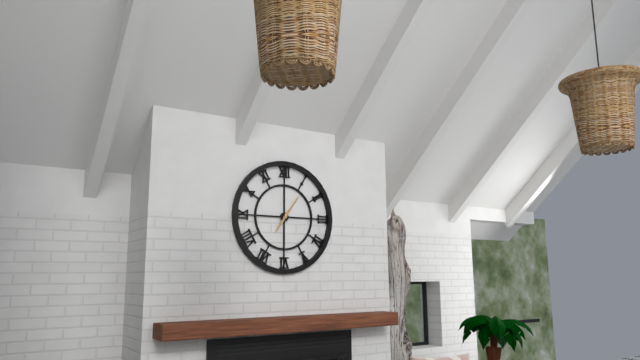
7:06
